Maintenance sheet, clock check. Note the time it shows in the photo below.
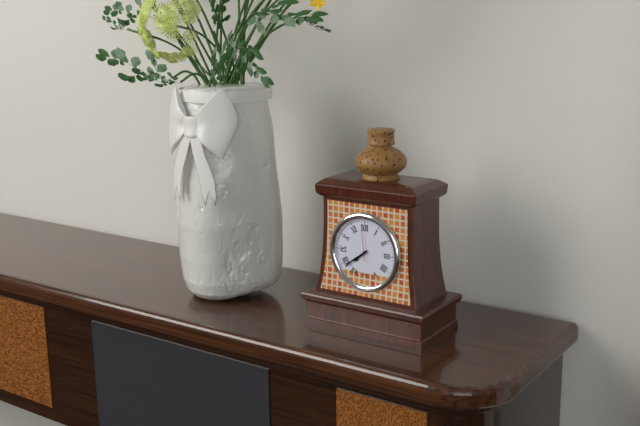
7:39
